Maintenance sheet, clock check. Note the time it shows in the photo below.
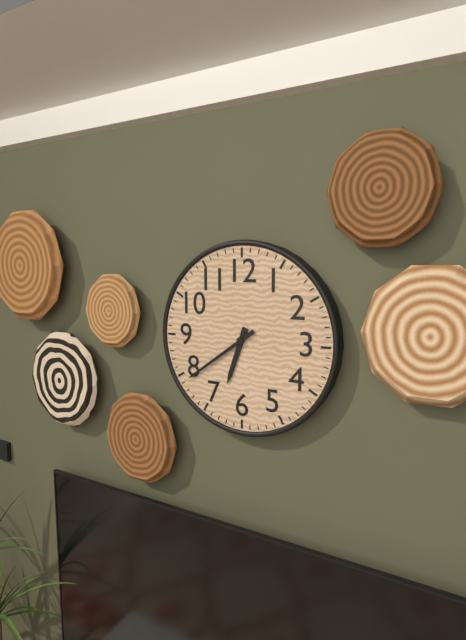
6:39
